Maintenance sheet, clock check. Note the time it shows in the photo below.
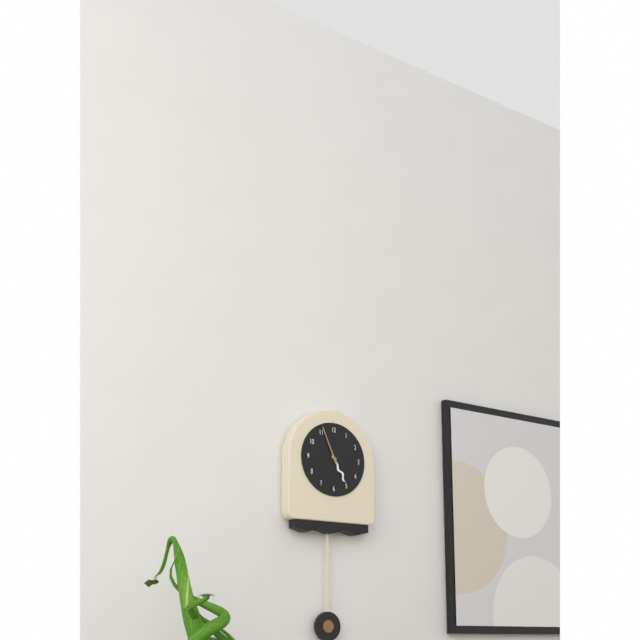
4:56
